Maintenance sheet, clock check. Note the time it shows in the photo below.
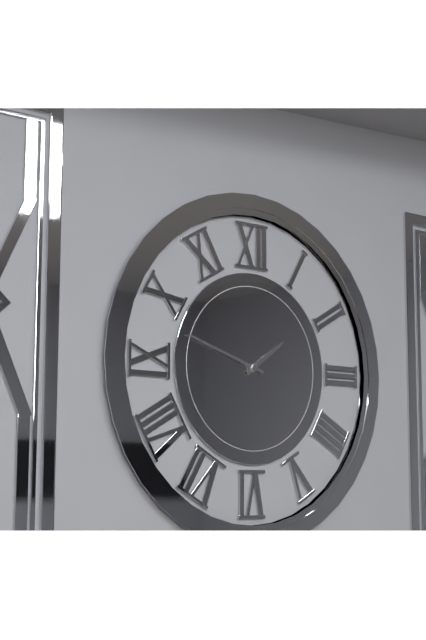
1:48
